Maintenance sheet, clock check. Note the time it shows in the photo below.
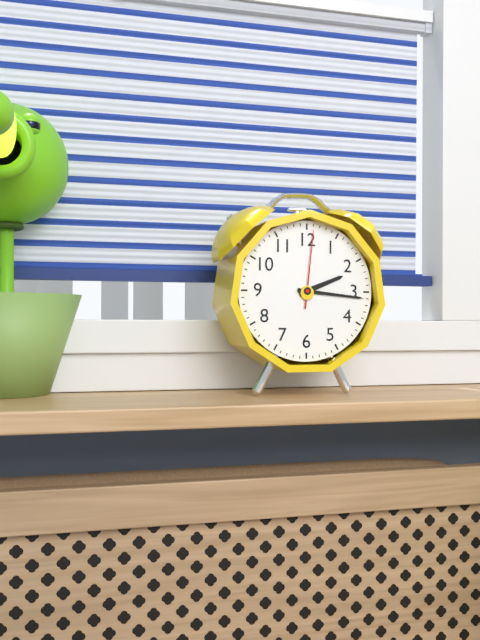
2:16:01
